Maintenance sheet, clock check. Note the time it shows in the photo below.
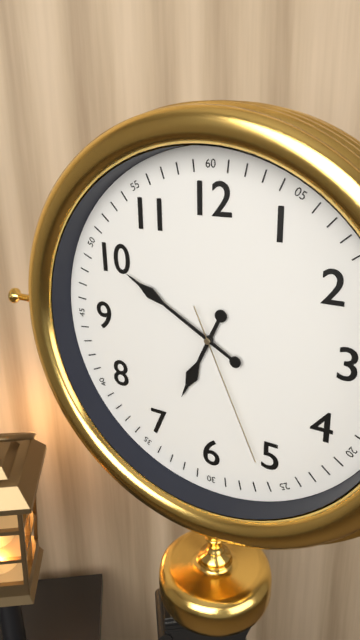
6:50:26
